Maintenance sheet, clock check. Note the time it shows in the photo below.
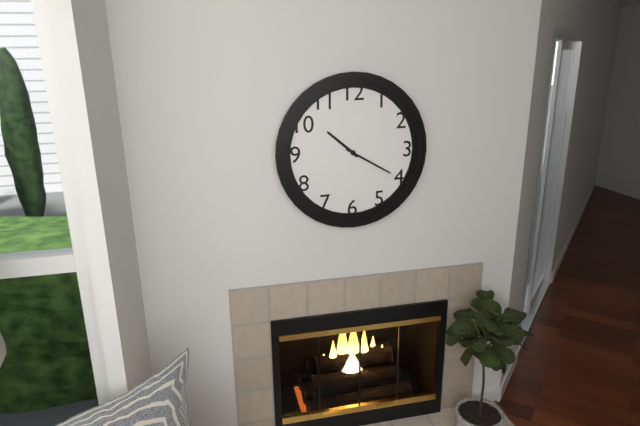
10:20
